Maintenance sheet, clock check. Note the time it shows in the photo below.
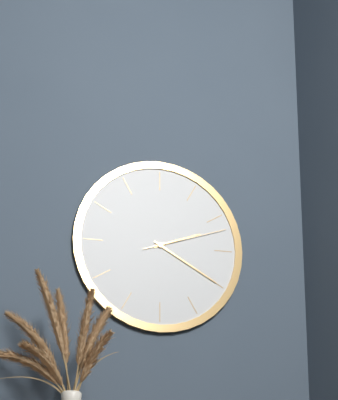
2:20:12
